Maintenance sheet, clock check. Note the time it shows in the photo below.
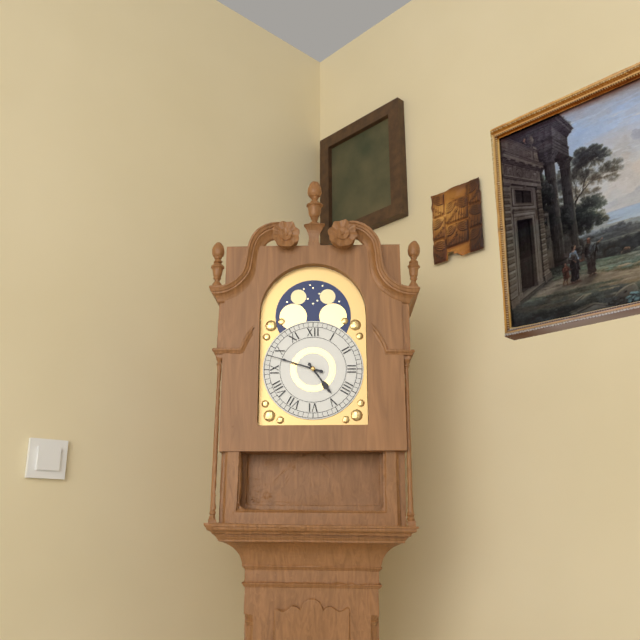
4:48
